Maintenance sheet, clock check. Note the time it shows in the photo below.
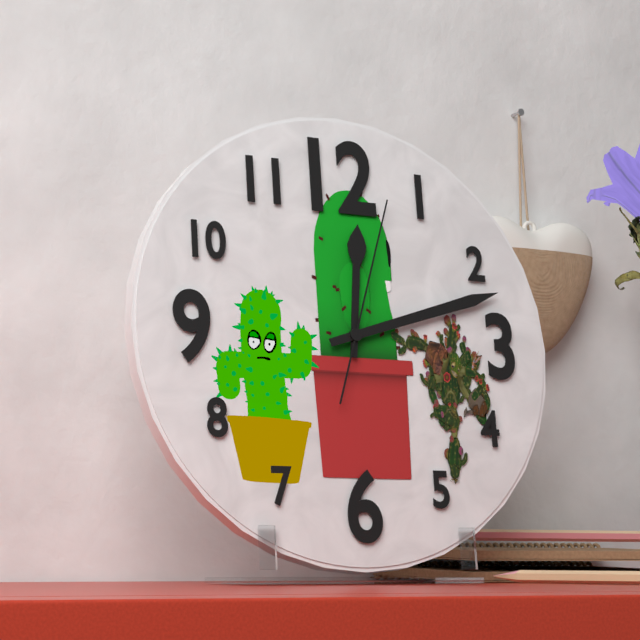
12:12:03
